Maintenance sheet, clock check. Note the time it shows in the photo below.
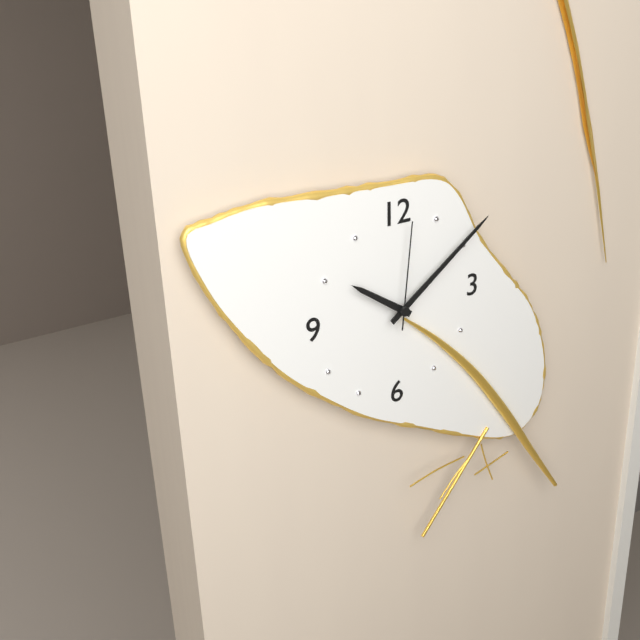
10:09:01
